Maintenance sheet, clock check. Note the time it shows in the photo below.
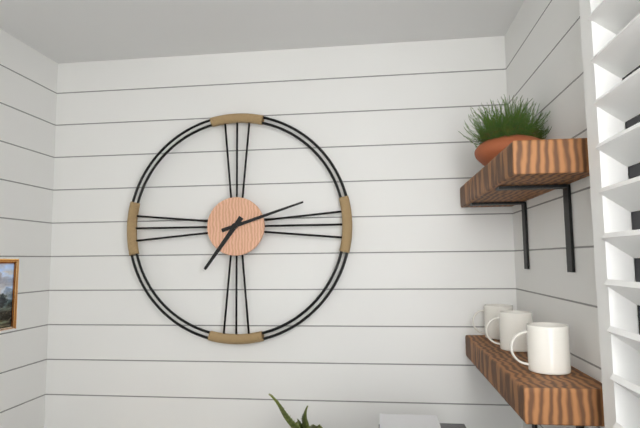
7:12
